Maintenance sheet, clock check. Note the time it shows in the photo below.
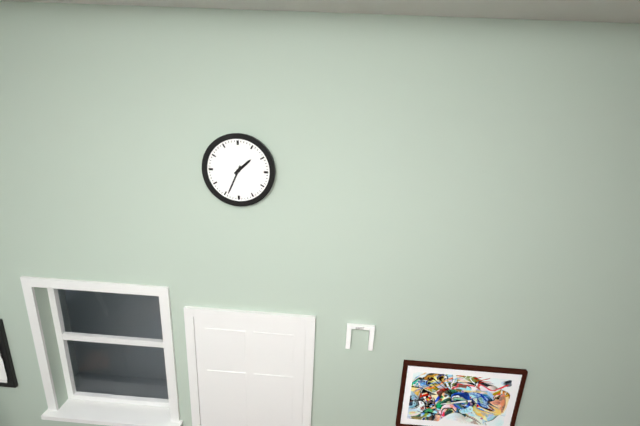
1:34
